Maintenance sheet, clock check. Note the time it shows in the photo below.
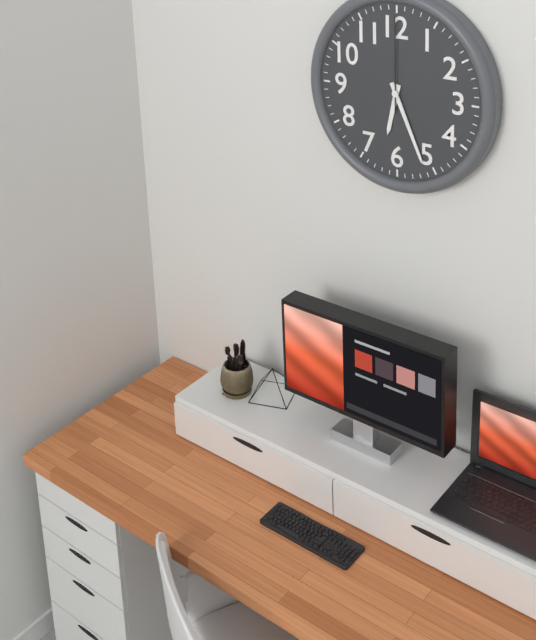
6:26:00
